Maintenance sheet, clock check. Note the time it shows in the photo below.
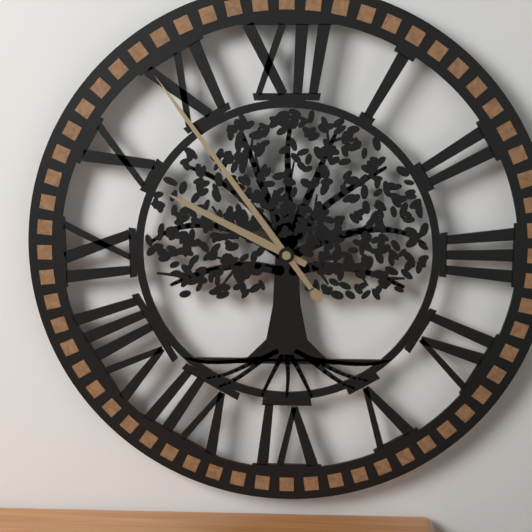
9:54
